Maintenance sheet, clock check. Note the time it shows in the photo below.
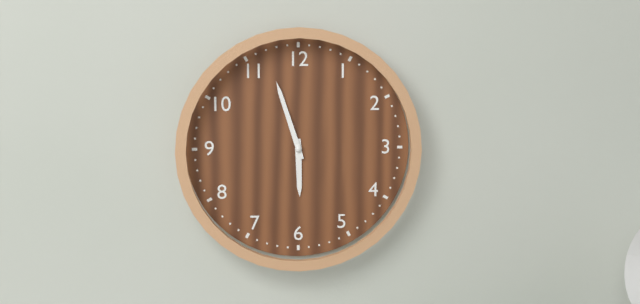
5:57
